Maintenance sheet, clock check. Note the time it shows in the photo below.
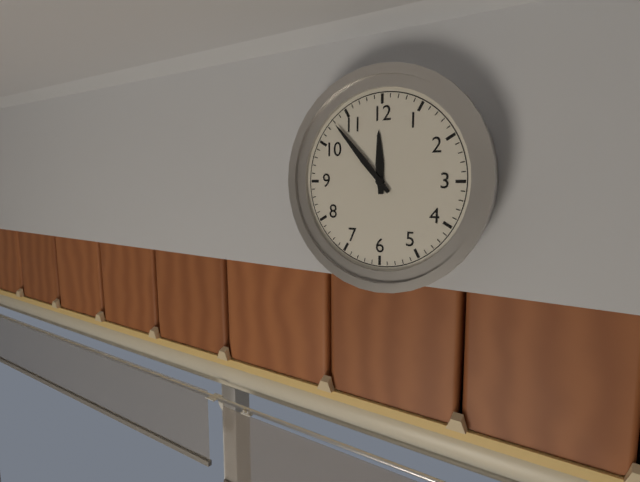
11:53
